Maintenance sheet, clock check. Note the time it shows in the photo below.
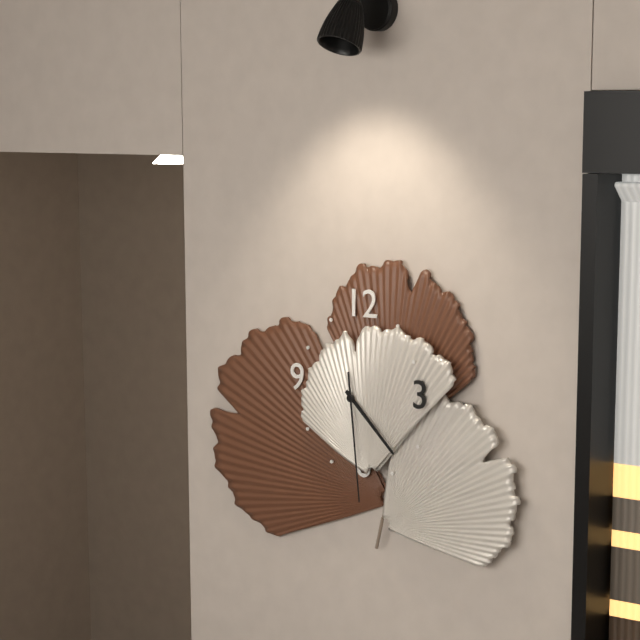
4:29
